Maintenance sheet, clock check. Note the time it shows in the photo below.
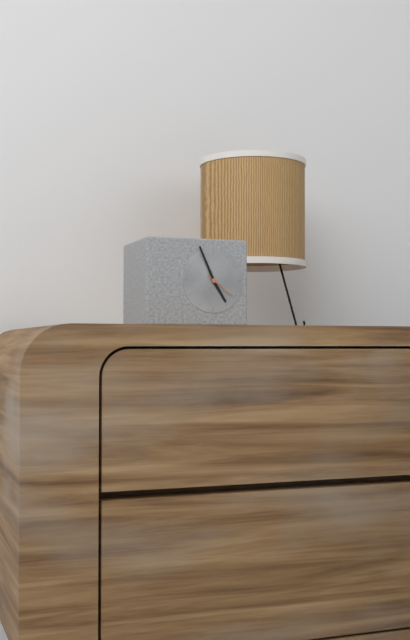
4:56
